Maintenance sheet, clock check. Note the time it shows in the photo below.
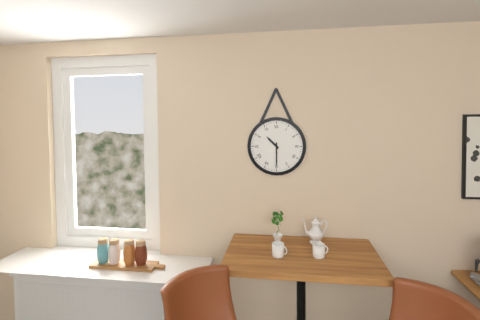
10:30
